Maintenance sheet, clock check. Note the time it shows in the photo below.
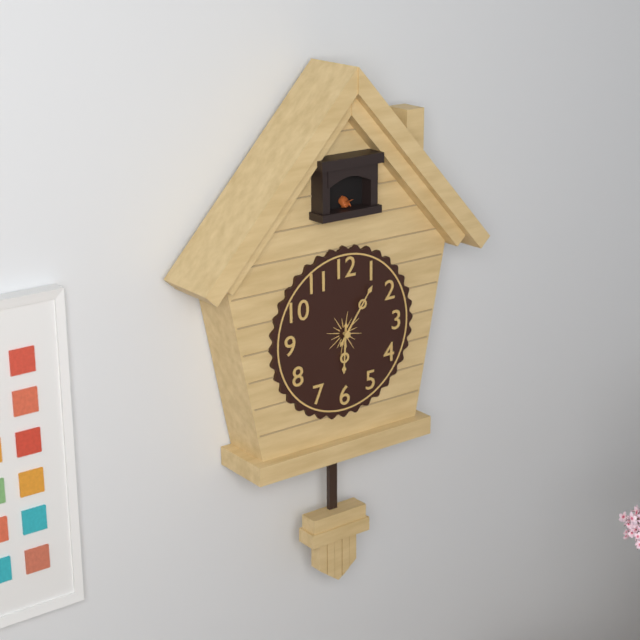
6:06
